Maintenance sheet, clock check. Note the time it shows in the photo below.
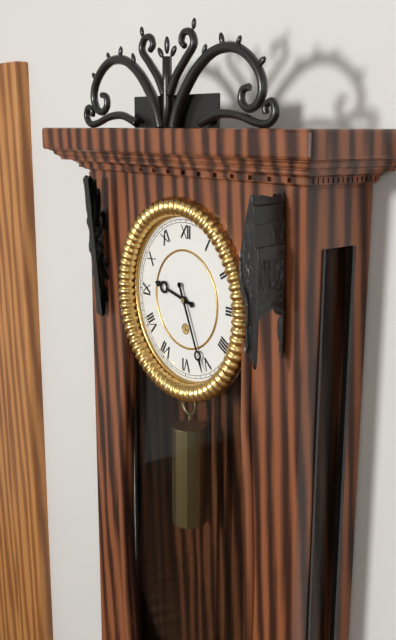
9:26
